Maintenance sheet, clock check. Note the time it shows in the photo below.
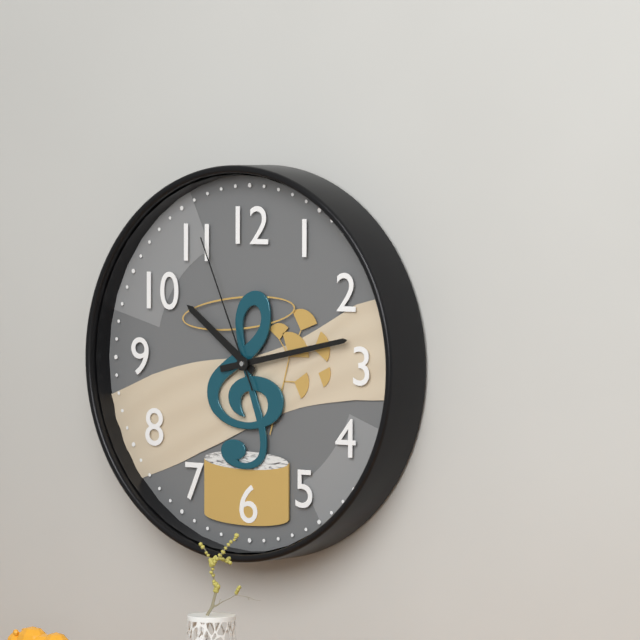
10:13:56
